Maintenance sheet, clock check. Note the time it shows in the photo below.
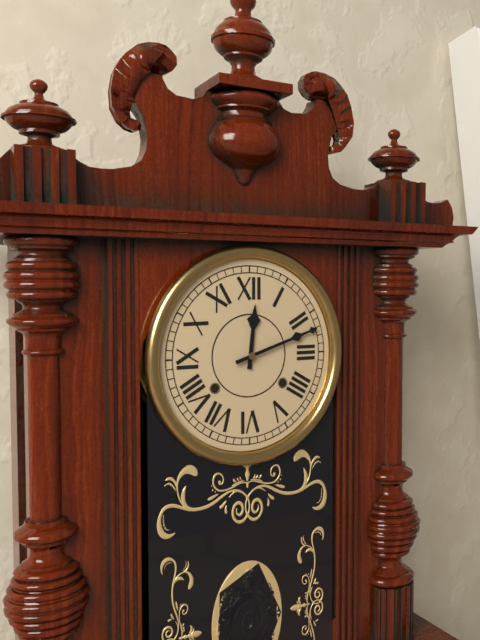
12:12
